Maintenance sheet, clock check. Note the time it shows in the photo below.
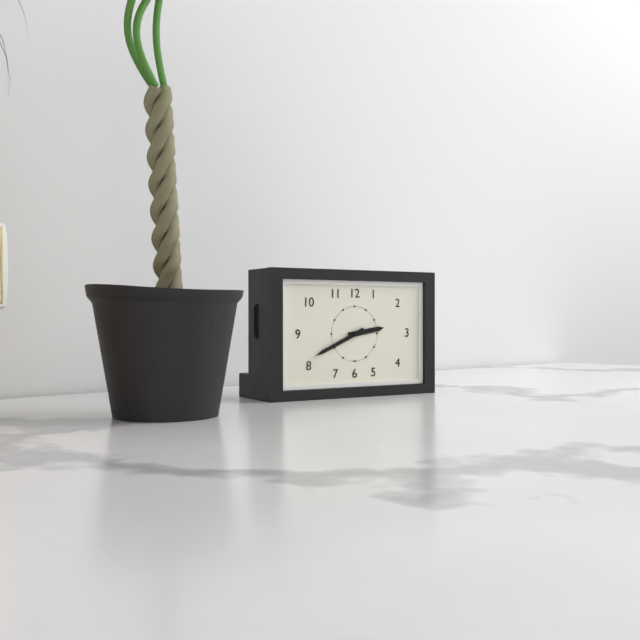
2:41
